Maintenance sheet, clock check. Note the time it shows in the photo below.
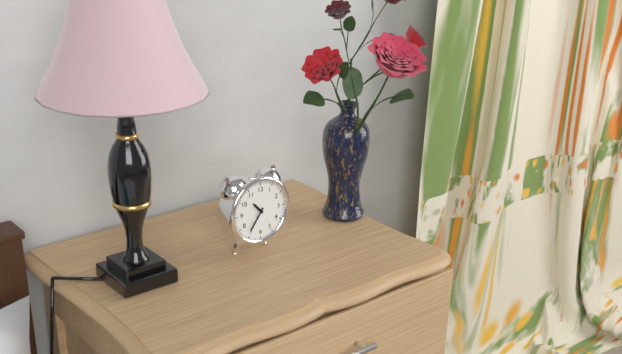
10:36
